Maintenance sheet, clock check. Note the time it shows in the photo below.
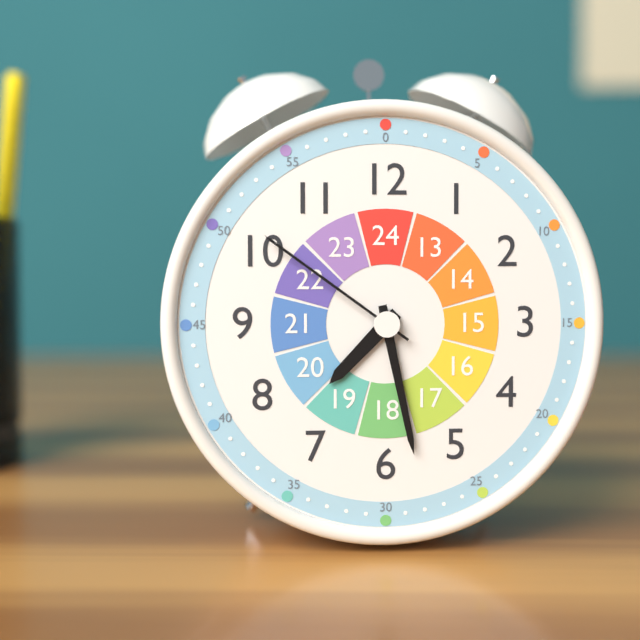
7:28:51
